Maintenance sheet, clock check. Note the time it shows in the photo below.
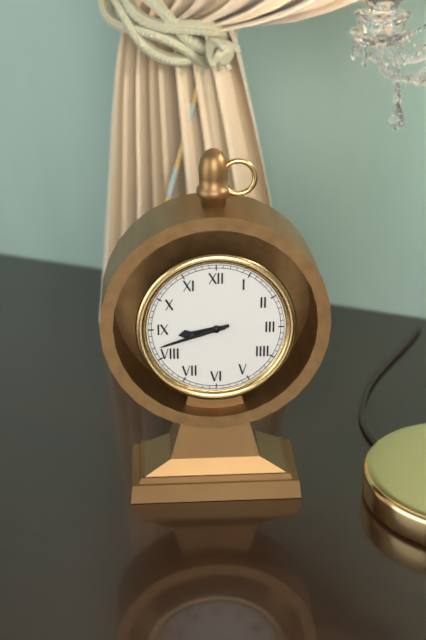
8:42
